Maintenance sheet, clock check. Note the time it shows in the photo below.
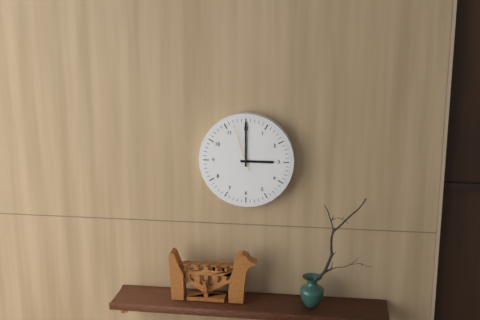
3:00
